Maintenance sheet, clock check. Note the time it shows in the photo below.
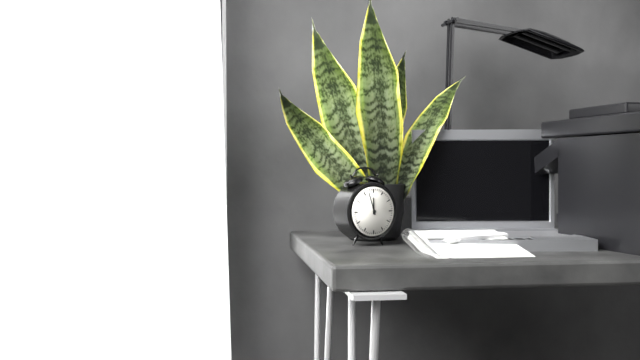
11:57
